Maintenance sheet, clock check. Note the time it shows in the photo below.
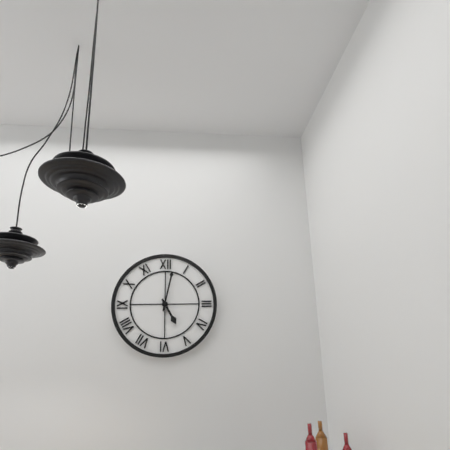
5:02
